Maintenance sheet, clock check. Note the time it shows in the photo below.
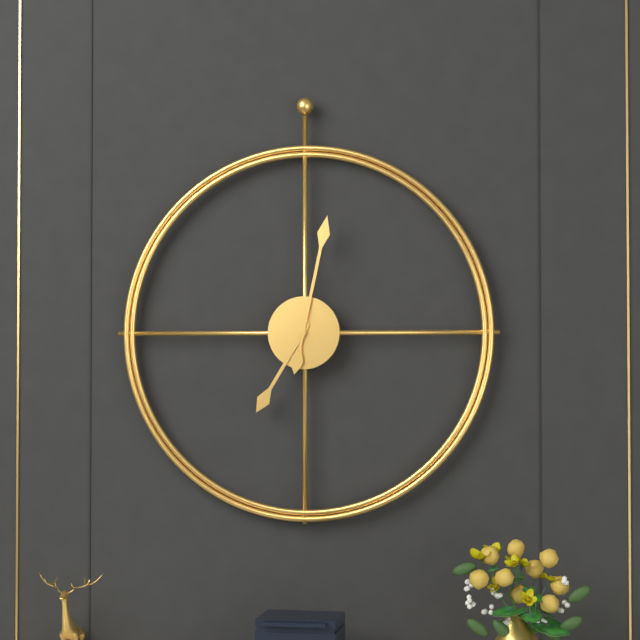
7:02
